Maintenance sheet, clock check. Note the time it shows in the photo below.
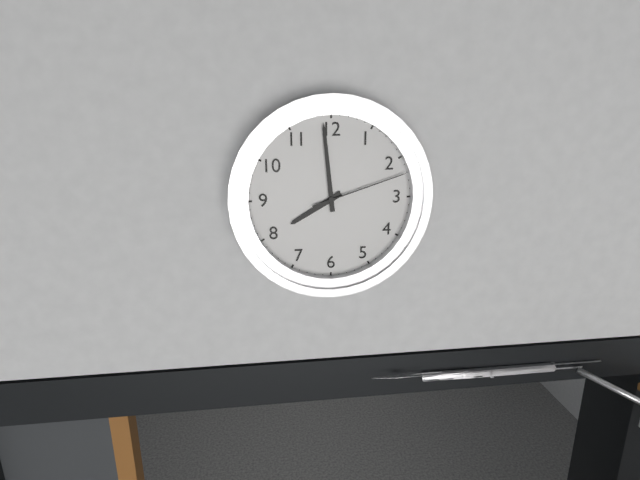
7:59:12
